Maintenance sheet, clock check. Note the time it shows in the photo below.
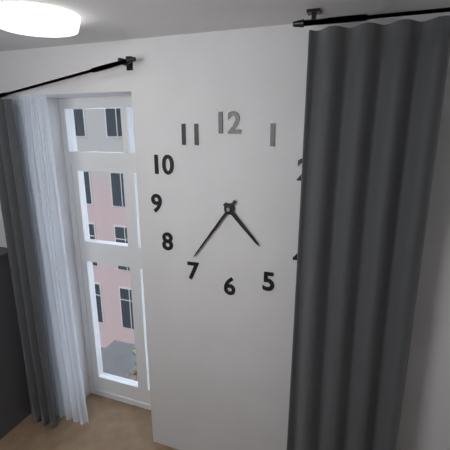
4:36
